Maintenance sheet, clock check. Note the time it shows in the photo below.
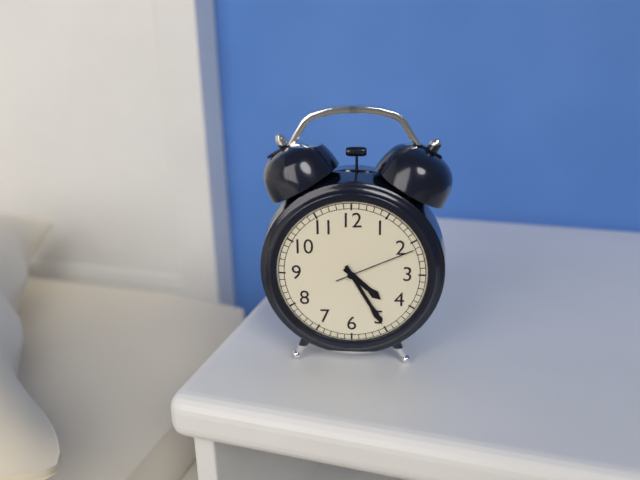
4:25:11
